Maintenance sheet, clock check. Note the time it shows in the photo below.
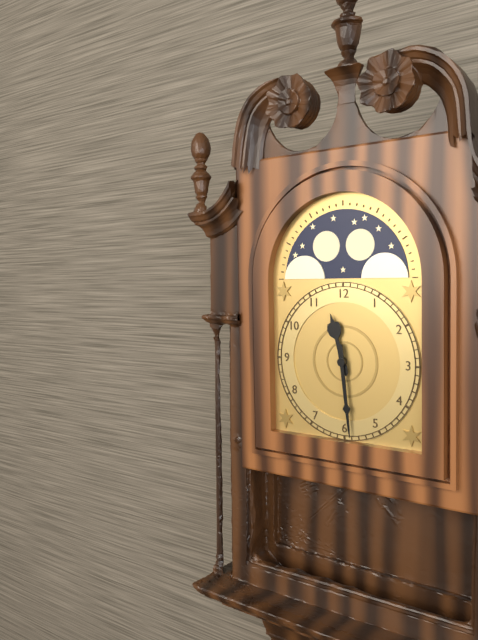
11:29
